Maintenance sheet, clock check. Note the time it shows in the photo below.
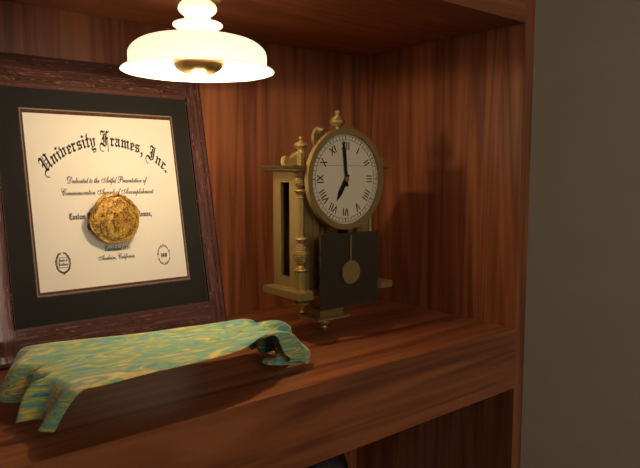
6:59
